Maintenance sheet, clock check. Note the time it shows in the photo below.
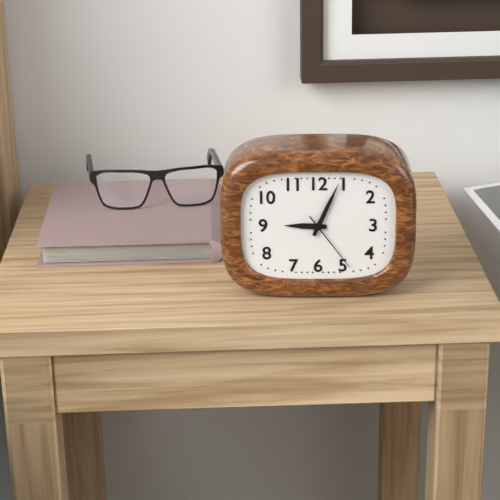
9:04:24
